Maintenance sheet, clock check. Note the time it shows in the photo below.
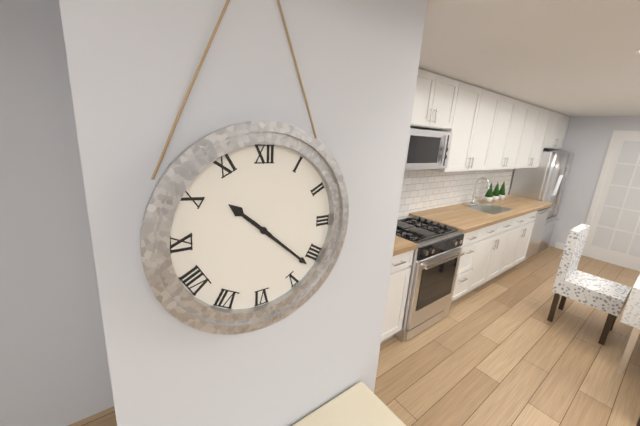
10:22
